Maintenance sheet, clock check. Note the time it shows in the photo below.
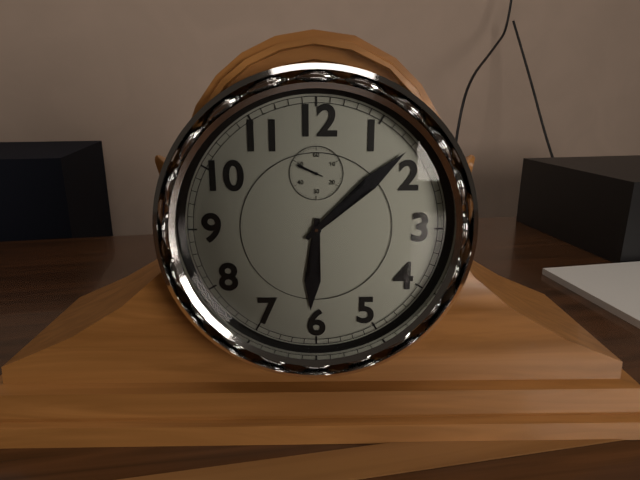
6:08
